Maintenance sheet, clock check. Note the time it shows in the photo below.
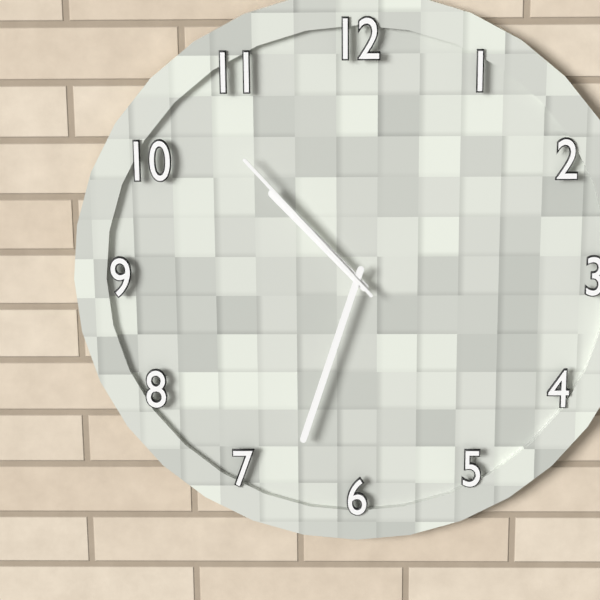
10:33:53
